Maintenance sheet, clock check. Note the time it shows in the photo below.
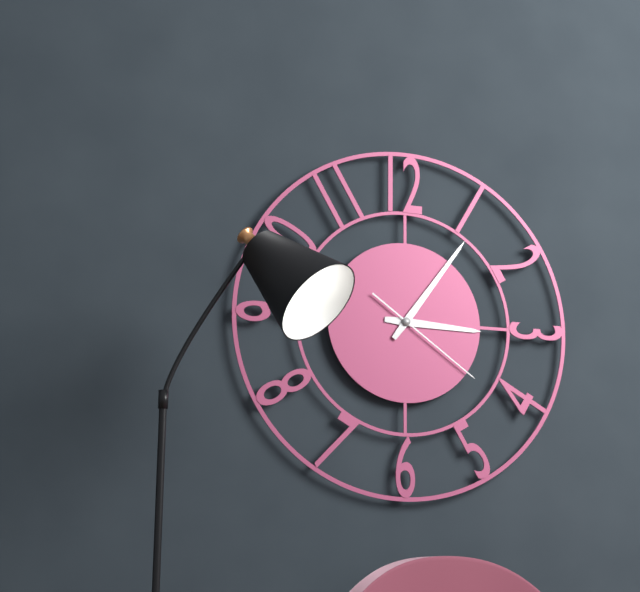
3:06:21
